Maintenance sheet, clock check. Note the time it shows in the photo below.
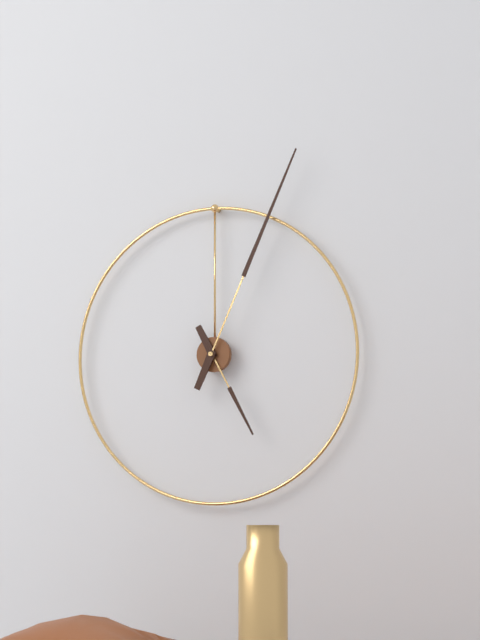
5:04
